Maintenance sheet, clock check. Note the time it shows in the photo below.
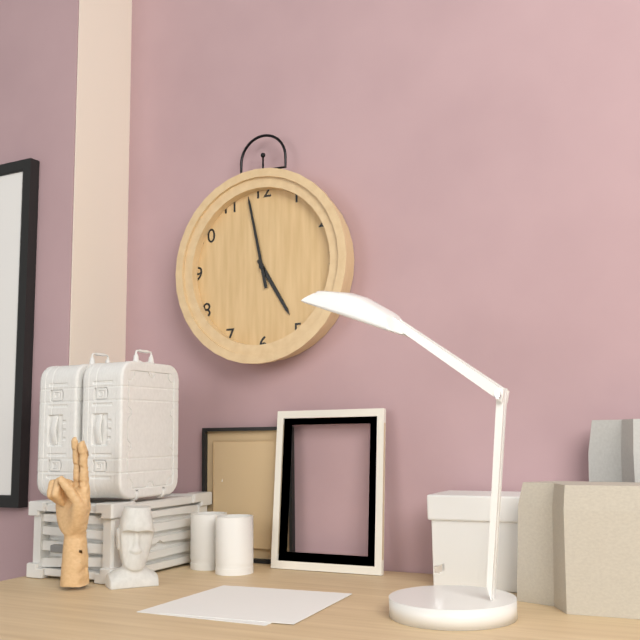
4:58
